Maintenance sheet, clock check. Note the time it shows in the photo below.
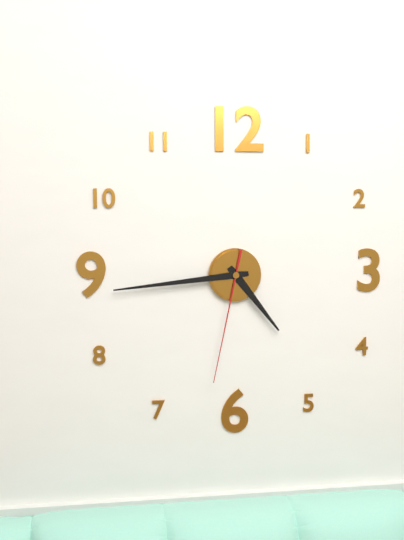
4:44:32
